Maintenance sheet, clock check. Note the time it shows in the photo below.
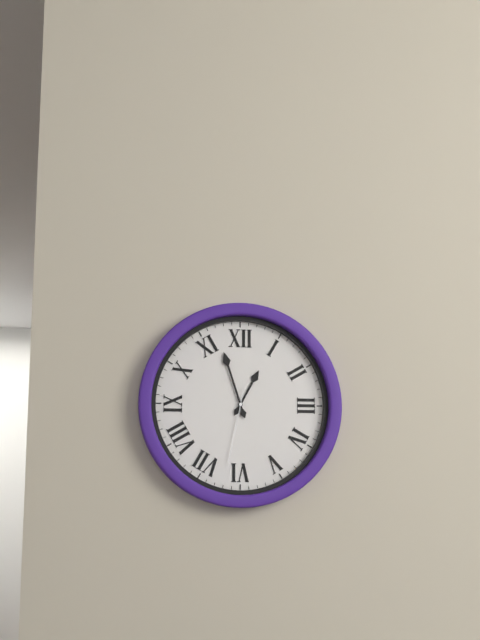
12:57:32
